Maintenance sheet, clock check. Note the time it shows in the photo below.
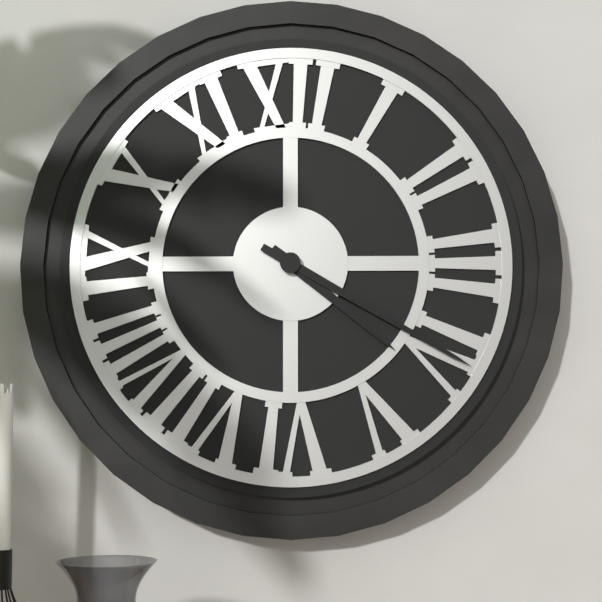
4:20
